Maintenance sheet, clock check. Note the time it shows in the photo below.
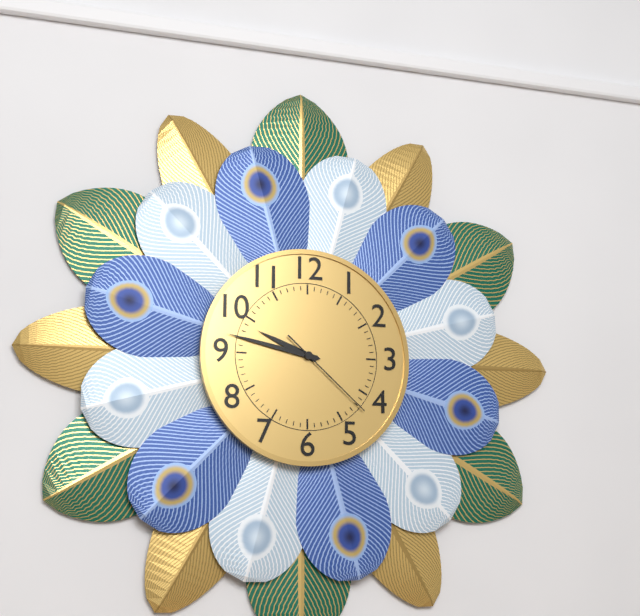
9:47:22
